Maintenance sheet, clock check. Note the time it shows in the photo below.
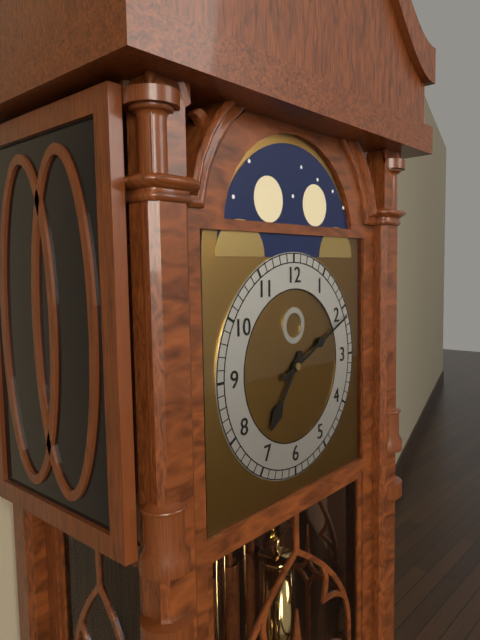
7:11
